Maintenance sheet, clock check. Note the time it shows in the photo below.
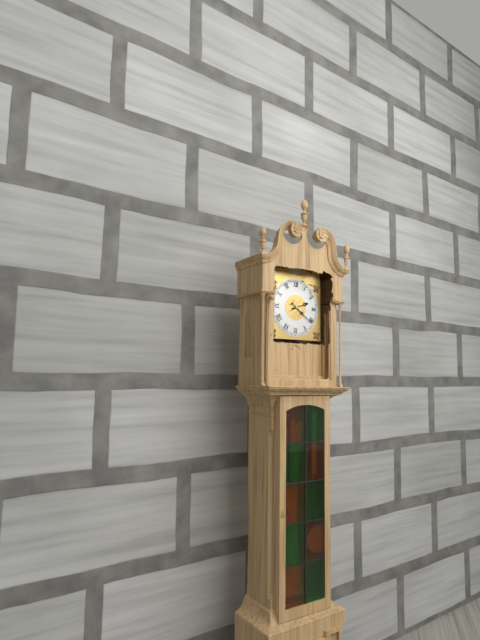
2:21
